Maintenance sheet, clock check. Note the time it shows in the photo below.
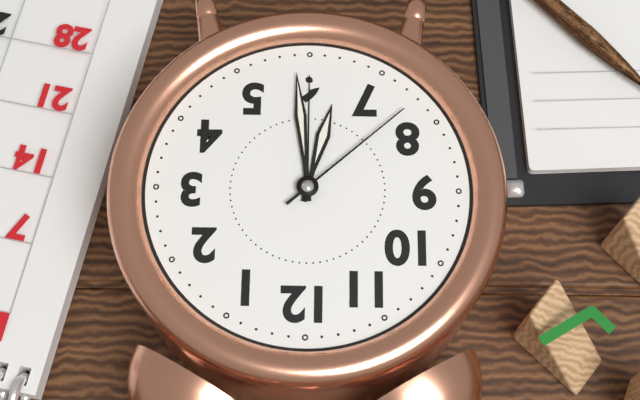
6:29:38
